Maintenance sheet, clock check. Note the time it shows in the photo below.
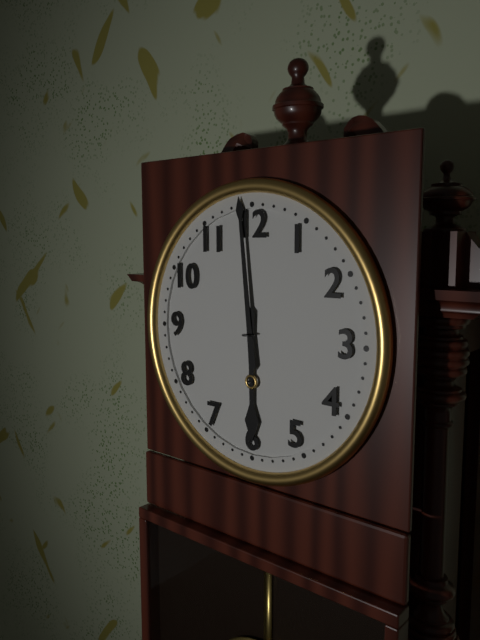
5:59
